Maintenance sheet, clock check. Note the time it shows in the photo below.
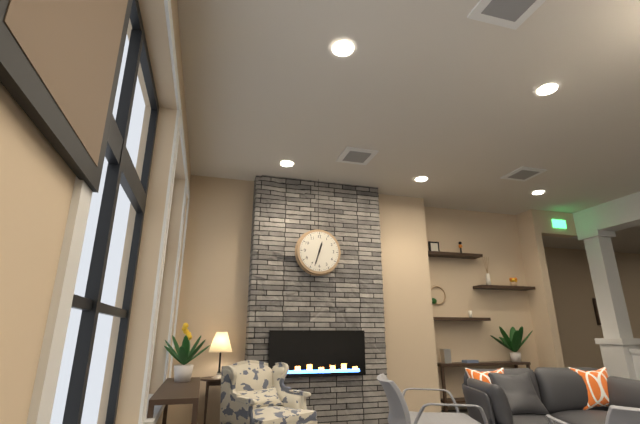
12:33
